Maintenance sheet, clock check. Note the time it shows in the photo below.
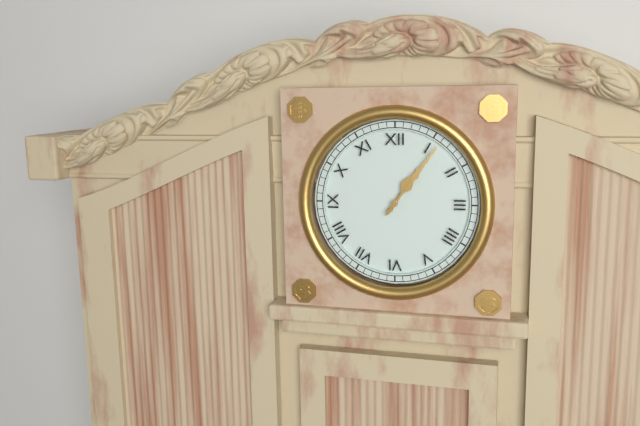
1:06
